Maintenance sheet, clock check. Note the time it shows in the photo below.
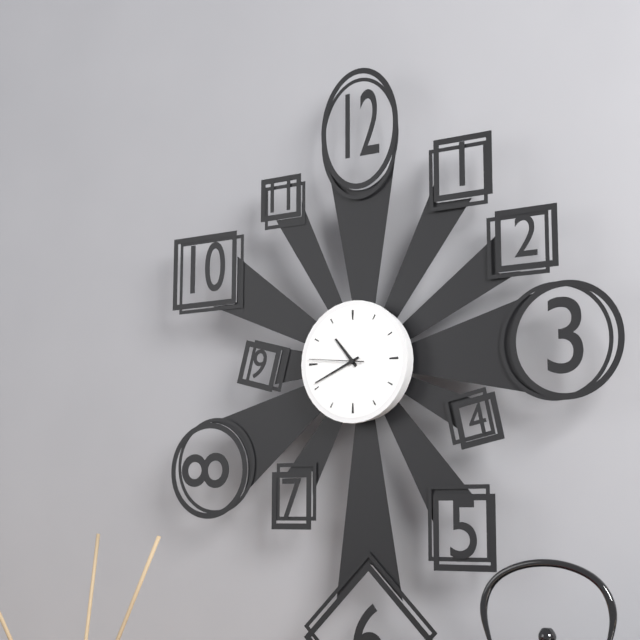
10:41:46
